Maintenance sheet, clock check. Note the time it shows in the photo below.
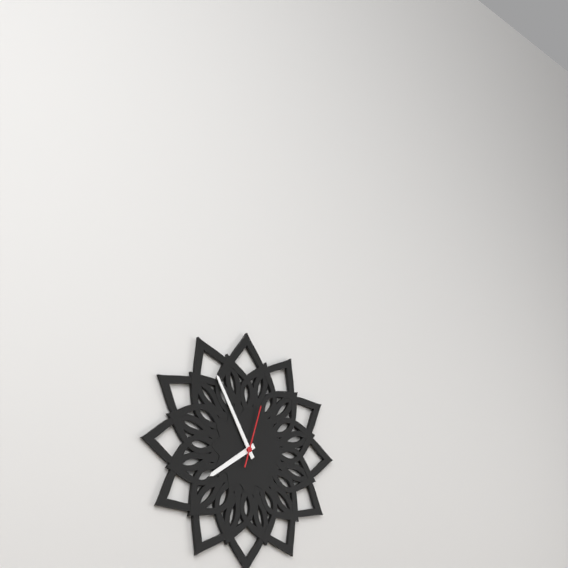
7:55:03
